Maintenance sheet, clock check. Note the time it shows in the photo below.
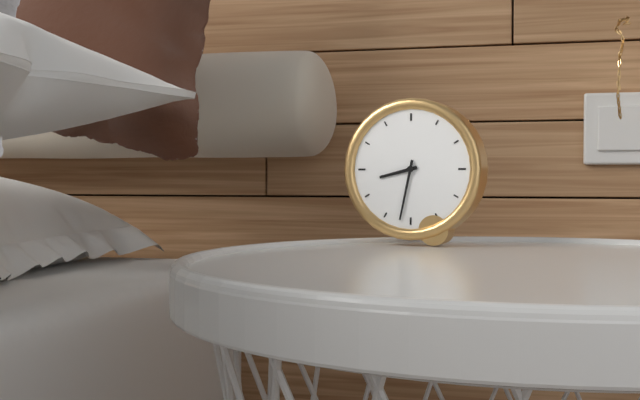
8:32
